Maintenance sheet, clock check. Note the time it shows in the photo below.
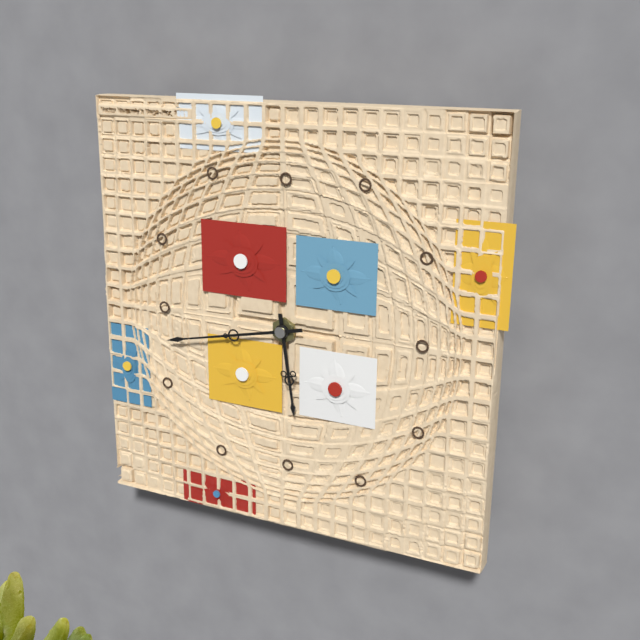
5:43
